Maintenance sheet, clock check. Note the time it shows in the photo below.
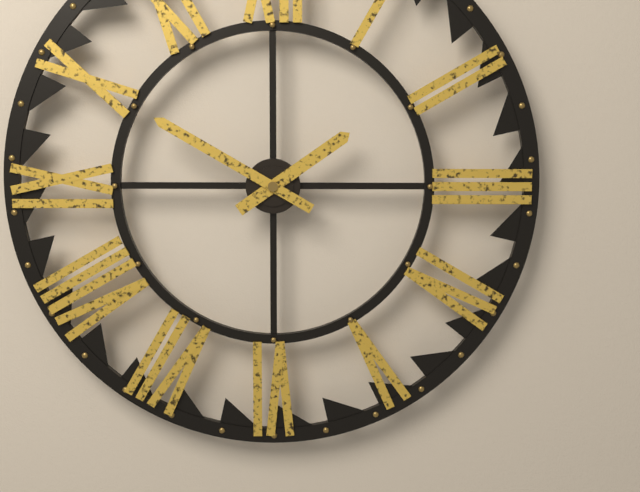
1:50
